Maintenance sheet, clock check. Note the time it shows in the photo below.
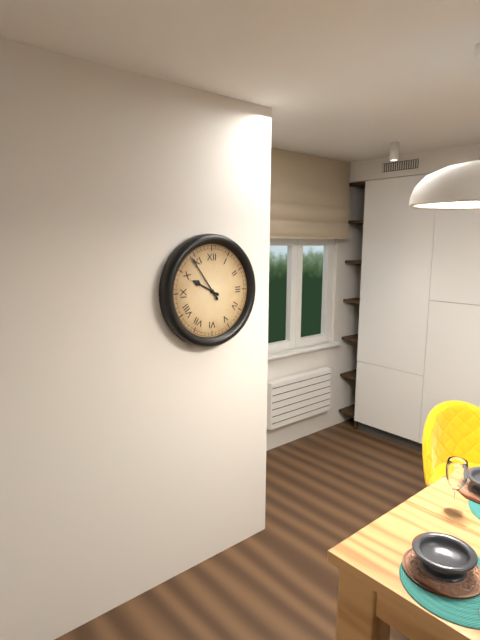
9:54
